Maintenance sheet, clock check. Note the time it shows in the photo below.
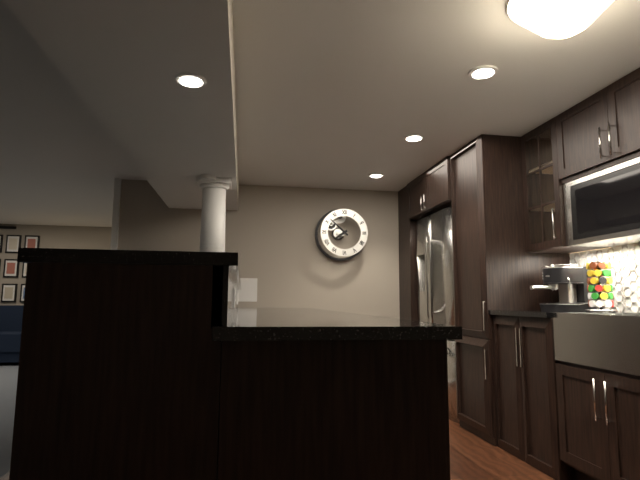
7:52
